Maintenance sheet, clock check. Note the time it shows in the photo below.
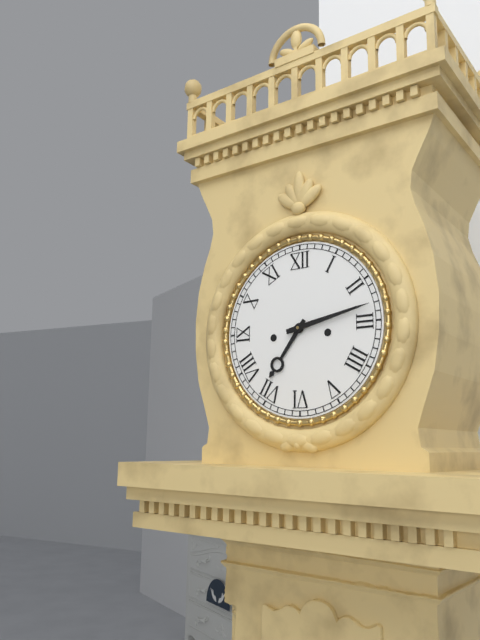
7:13
